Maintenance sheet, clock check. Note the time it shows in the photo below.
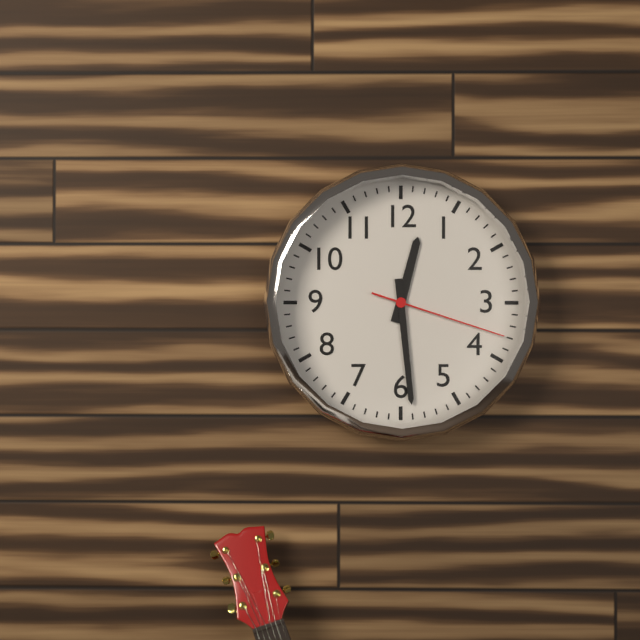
12:29:18
